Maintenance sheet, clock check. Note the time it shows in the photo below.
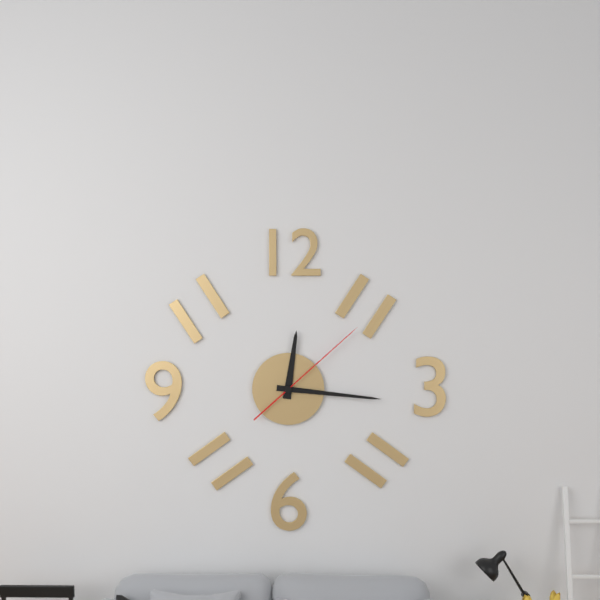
12:16:08
